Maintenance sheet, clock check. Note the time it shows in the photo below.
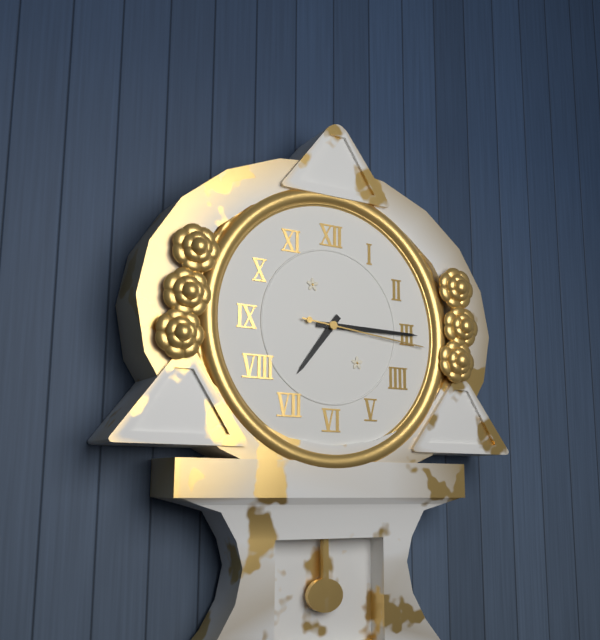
7:15:16
